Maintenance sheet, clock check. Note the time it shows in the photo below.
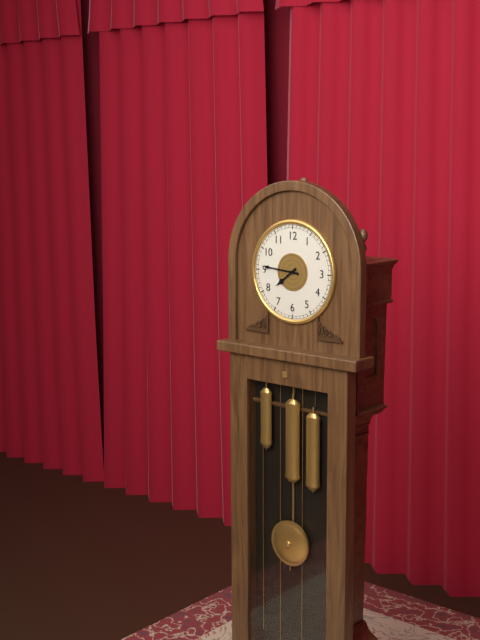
7:46
